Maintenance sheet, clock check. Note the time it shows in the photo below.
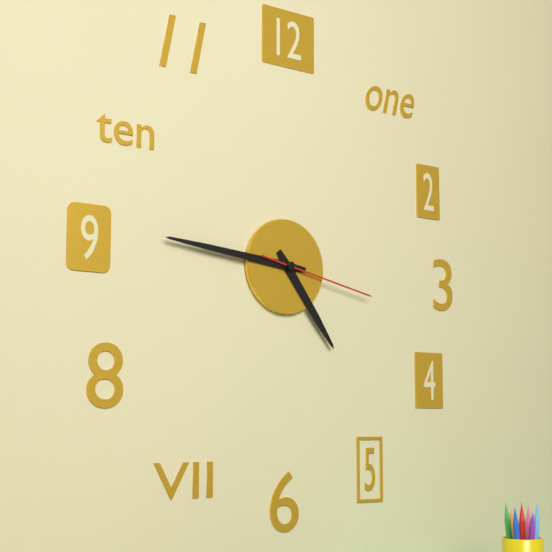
4:46:17
